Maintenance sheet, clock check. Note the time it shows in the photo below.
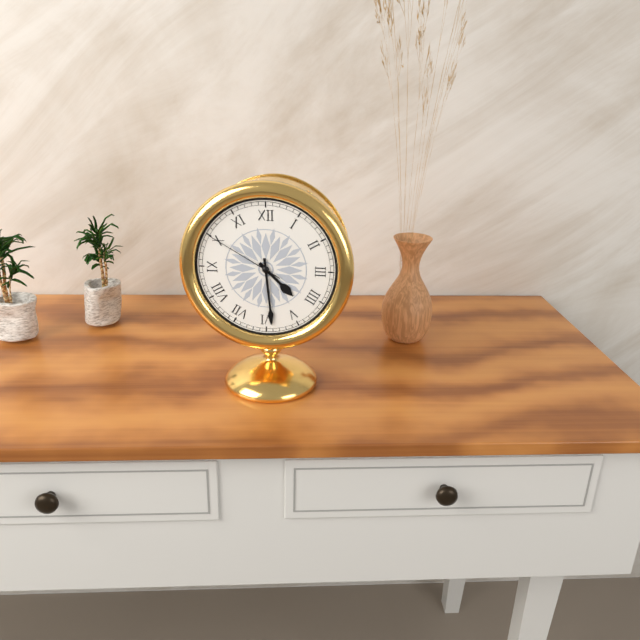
4:29:50
